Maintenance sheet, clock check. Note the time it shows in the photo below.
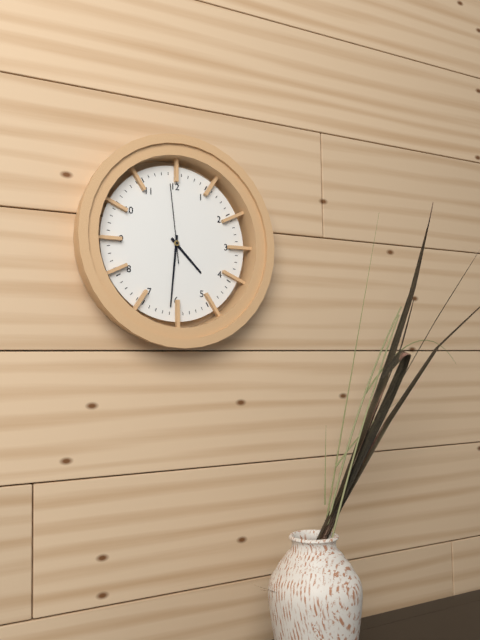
4:31:59
